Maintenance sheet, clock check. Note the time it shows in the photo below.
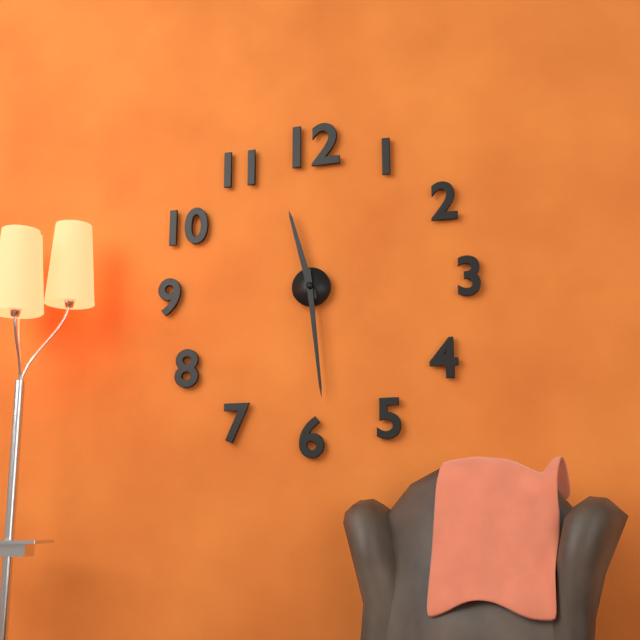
11:29
